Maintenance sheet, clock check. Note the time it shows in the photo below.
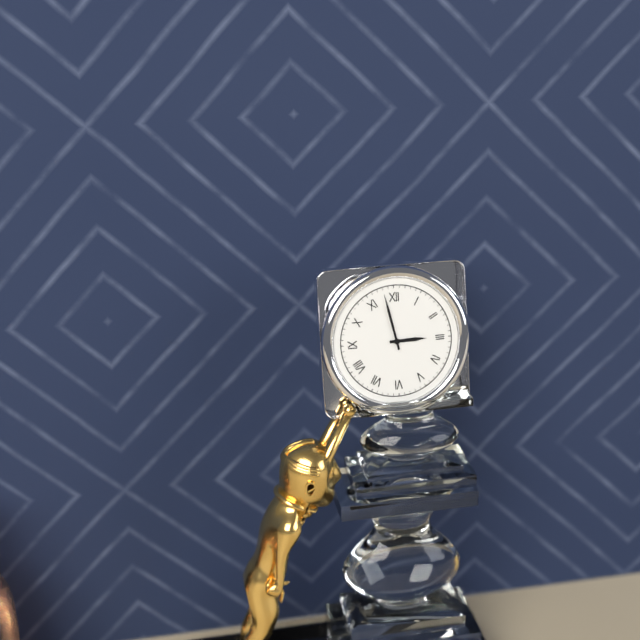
2:58
